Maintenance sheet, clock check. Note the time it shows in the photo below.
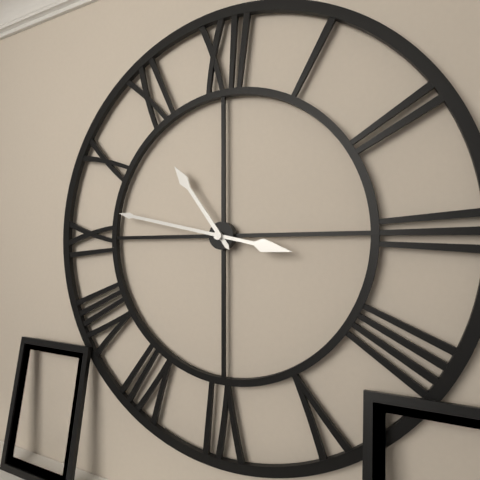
10:47
